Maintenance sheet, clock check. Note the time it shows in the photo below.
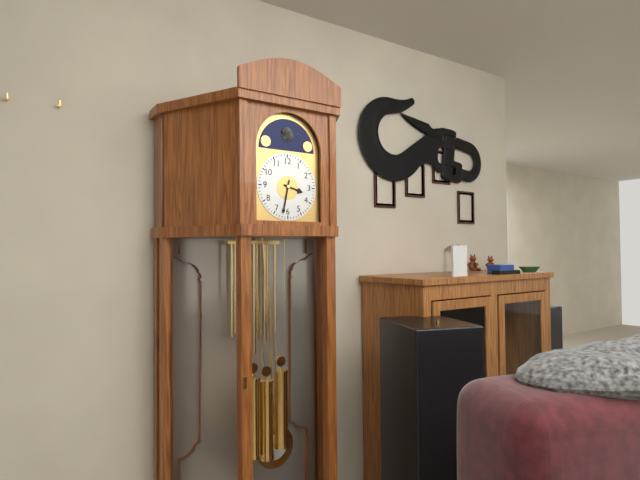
3:32
